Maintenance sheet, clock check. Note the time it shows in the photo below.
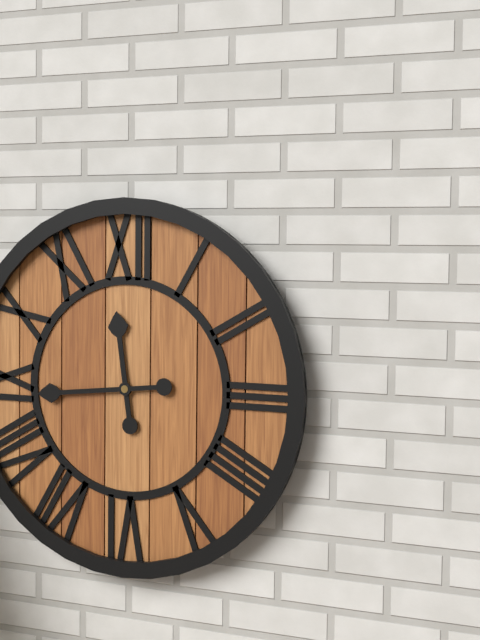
11:44
